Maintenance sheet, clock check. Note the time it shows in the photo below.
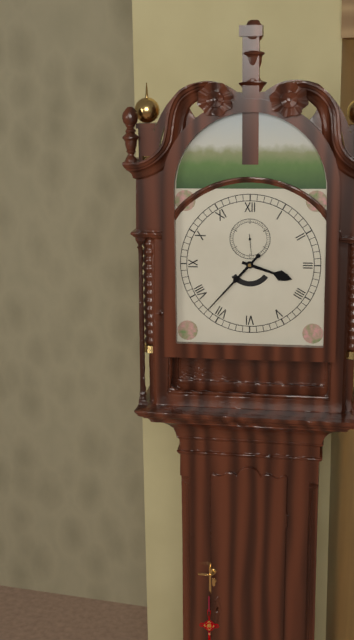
3:37
